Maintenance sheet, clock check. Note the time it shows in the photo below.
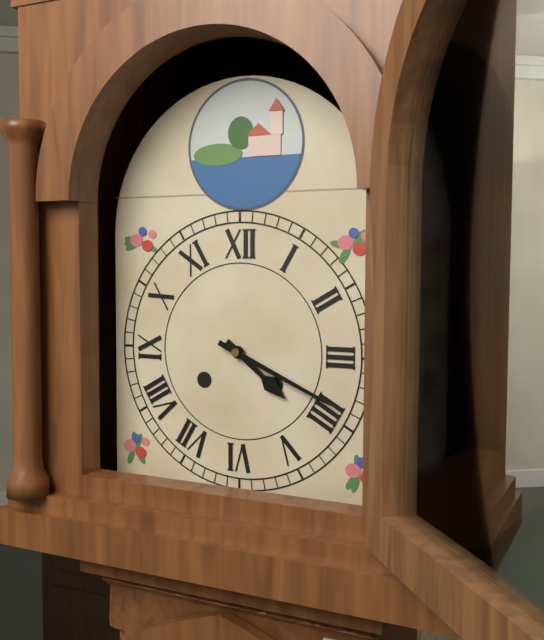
4:19
